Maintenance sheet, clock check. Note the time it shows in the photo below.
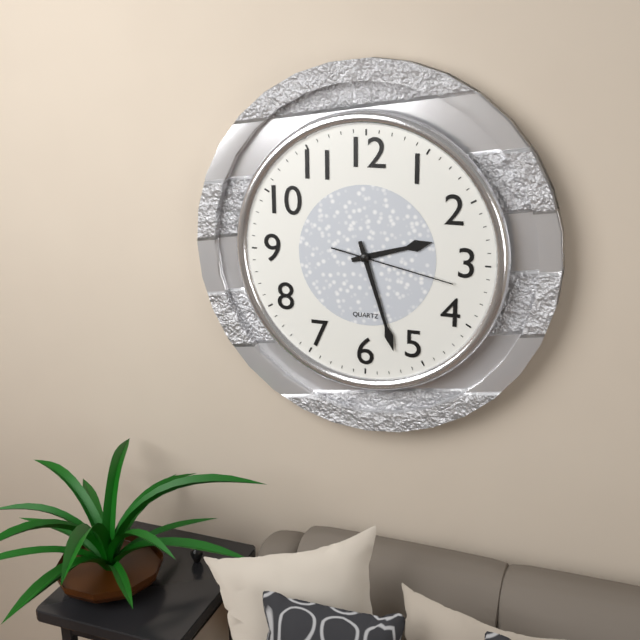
2:27:17
